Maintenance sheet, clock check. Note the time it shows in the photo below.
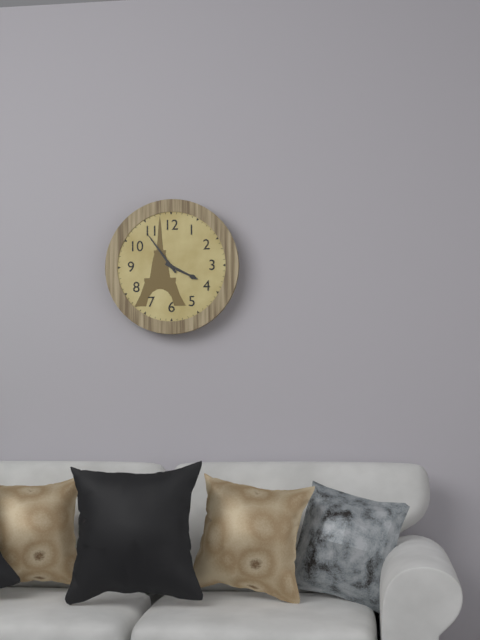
3:54
